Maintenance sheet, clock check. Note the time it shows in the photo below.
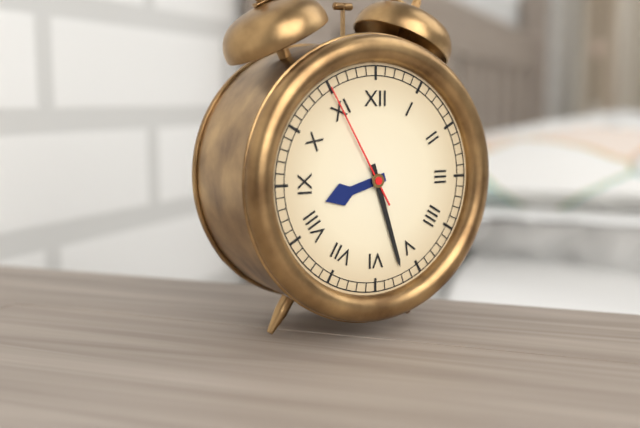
8:27:55
